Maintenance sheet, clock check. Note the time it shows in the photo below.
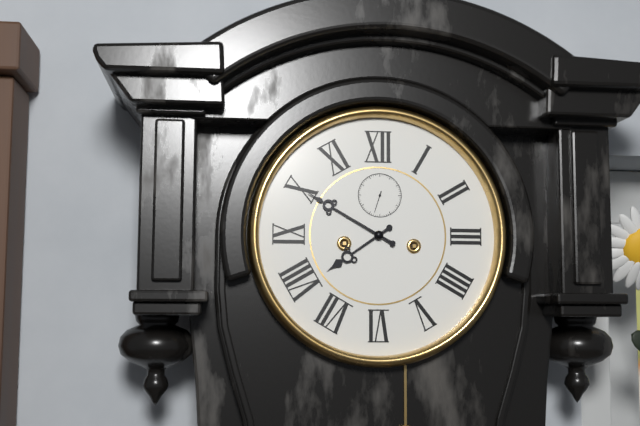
7:50
